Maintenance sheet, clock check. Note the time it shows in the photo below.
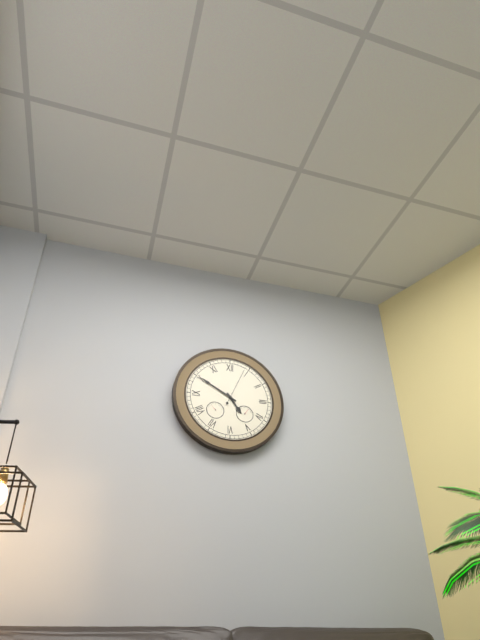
4:50
